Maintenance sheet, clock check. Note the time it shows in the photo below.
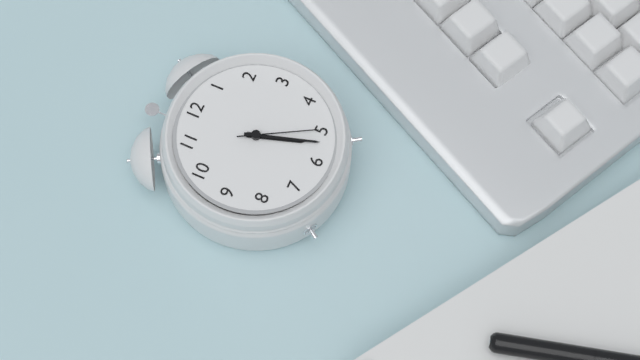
5:27:25
